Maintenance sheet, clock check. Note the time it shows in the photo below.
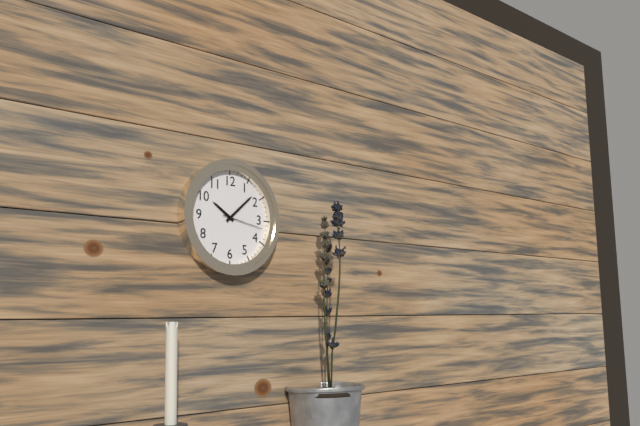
10:08
